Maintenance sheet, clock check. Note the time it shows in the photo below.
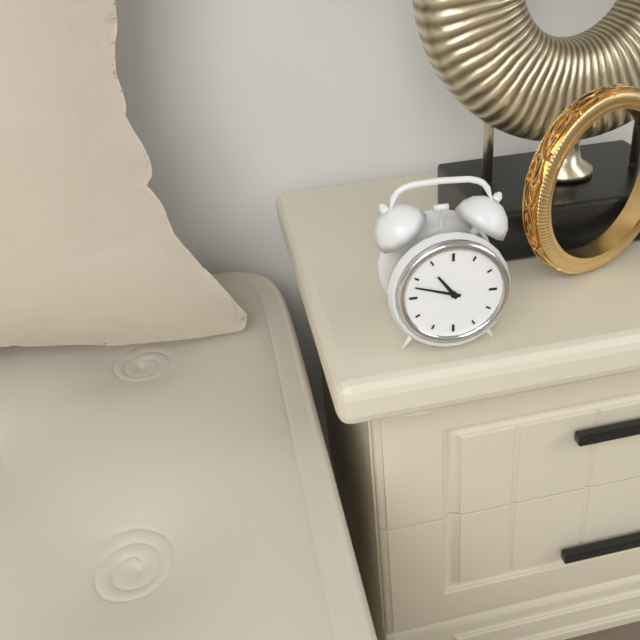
10:48
